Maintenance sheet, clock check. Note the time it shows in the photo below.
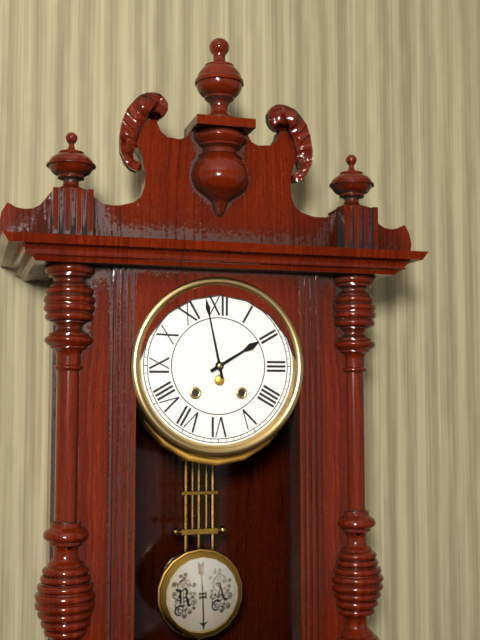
1:58
